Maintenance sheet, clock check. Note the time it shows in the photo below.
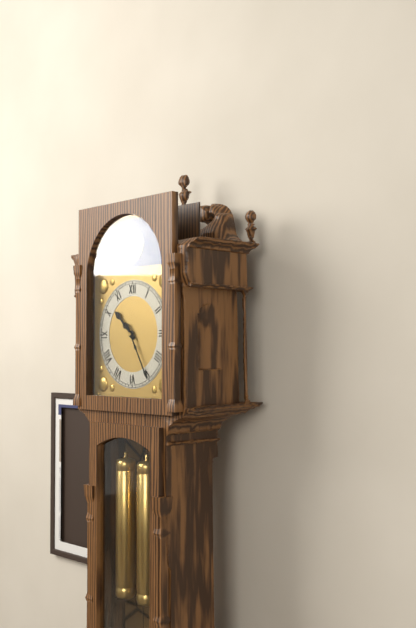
10:25
